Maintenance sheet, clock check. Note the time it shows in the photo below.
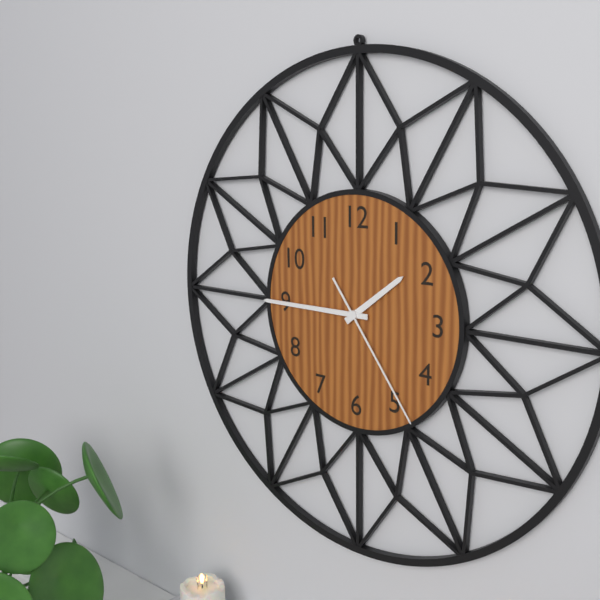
1:45:24
